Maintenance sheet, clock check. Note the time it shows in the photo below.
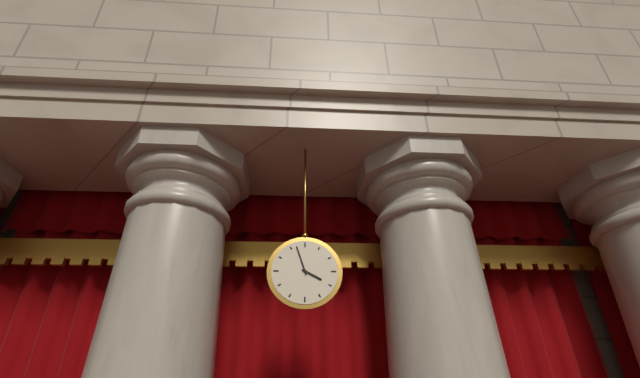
3:57
